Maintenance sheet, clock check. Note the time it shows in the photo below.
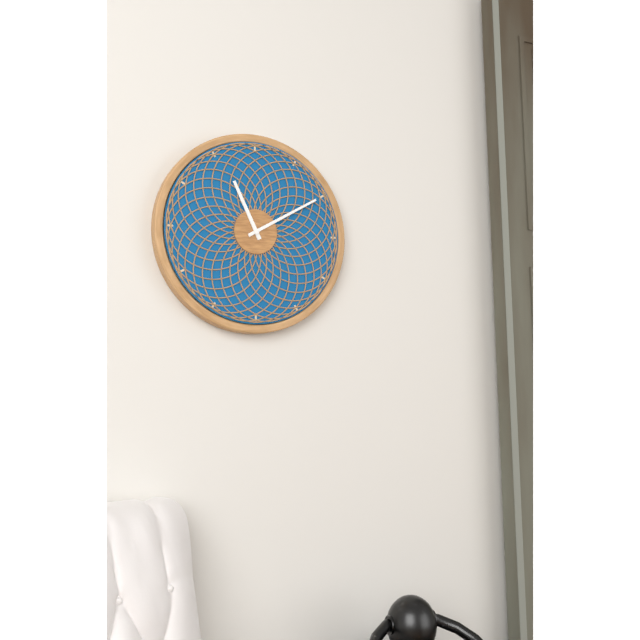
11:10
